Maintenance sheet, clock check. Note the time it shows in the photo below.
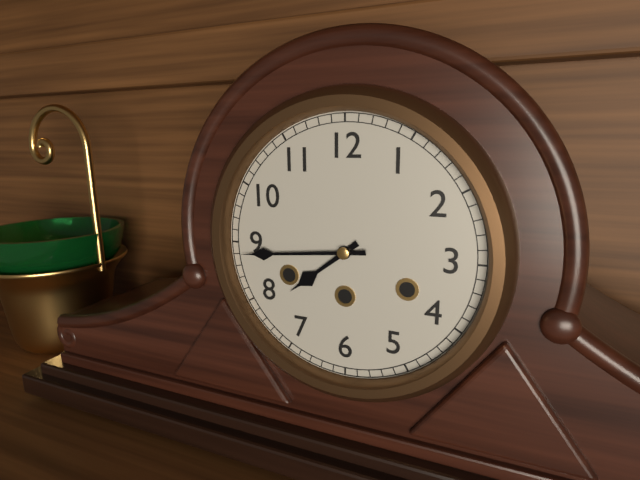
7:44
